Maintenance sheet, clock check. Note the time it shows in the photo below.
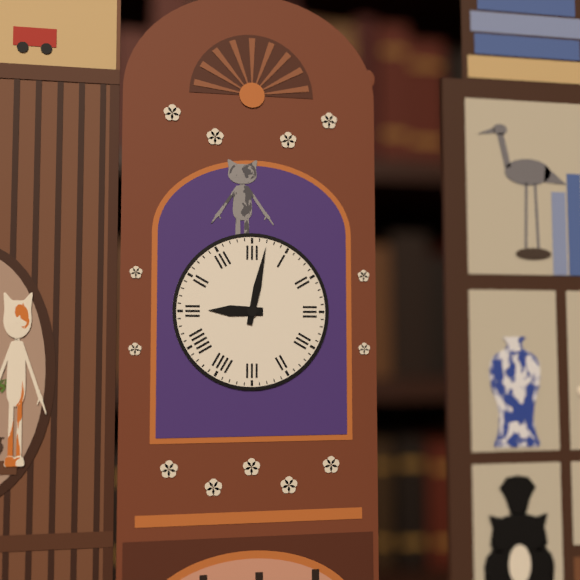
9:02
